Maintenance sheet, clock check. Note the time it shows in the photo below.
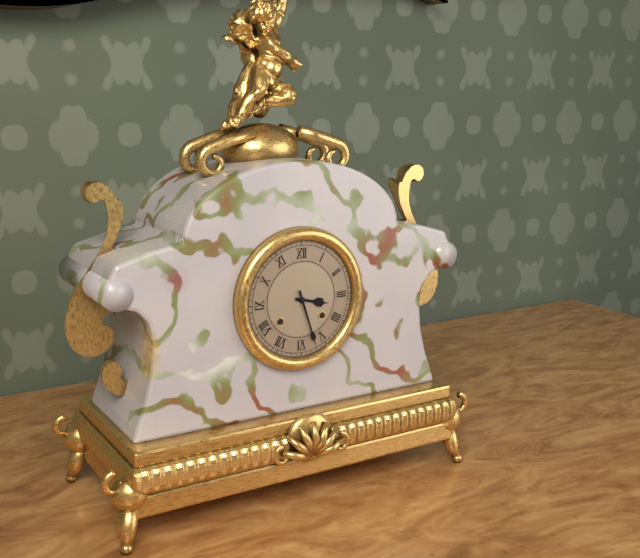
3:27
